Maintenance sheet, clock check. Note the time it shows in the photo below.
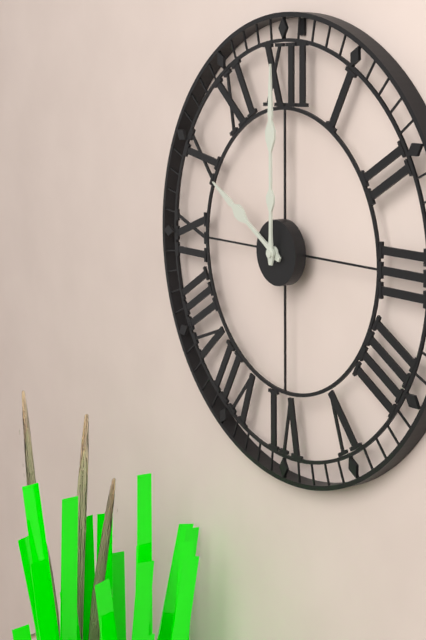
10:00
